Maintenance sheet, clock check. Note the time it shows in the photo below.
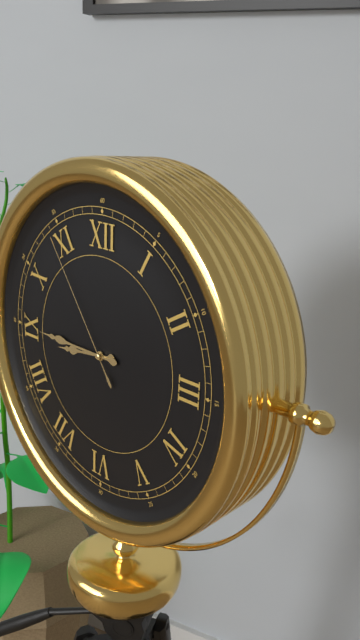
8:45:54
